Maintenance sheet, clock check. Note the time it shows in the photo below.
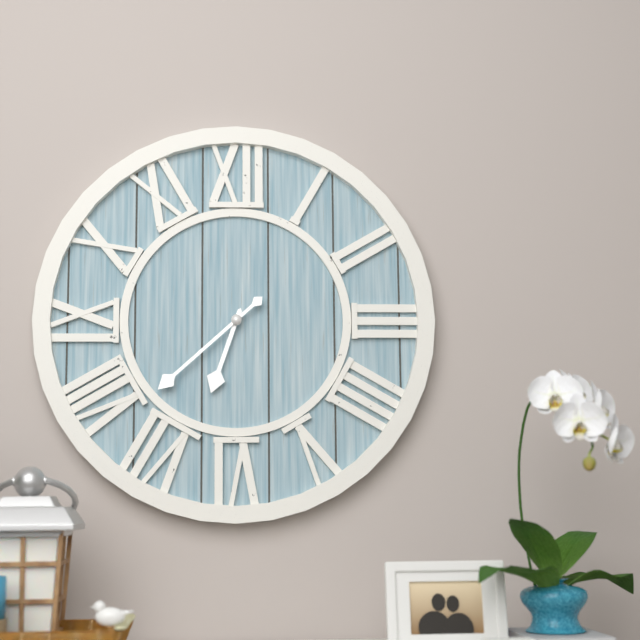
6:38
